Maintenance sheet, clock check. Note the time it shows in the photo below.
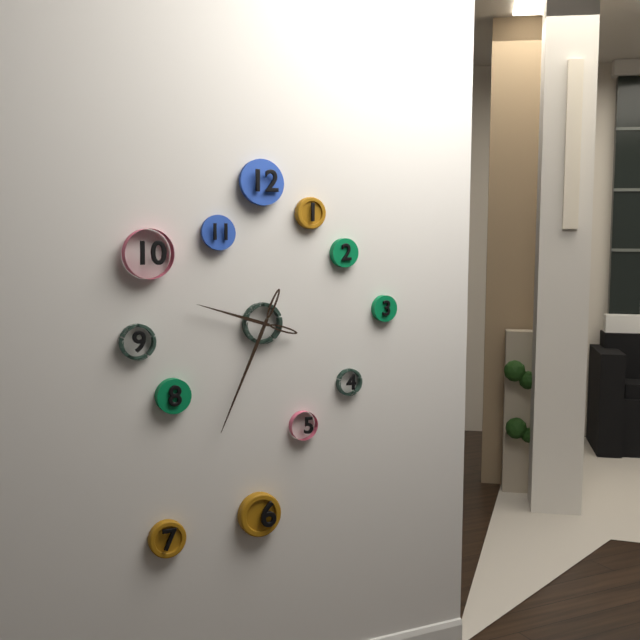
9:34
